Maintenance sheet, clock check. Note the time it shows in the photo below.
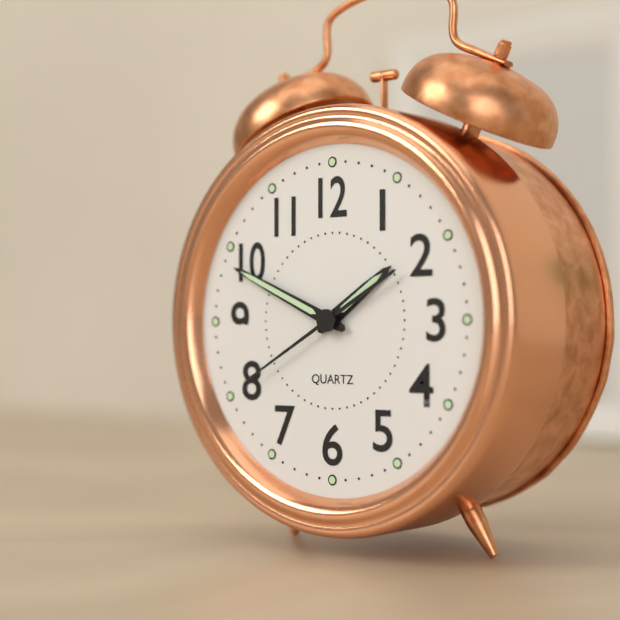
1:49:40
